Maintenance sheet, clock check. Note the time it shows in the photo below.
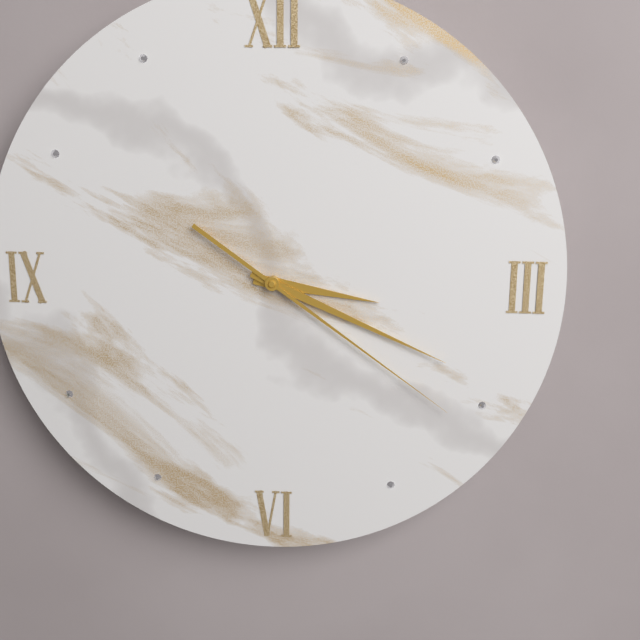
3:19:21
